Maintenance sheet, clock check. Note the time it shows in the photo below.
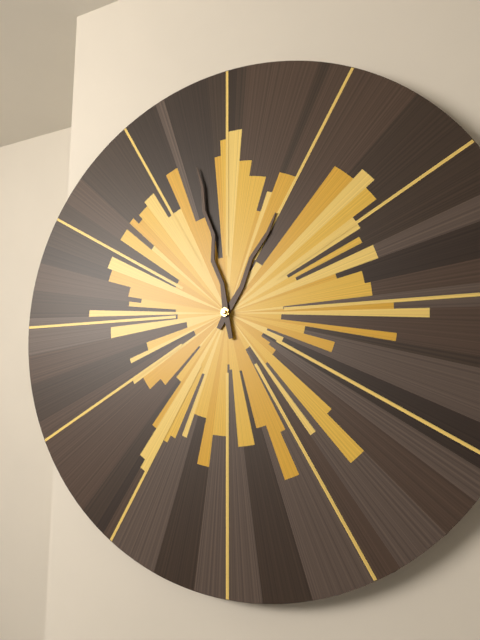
12:58
